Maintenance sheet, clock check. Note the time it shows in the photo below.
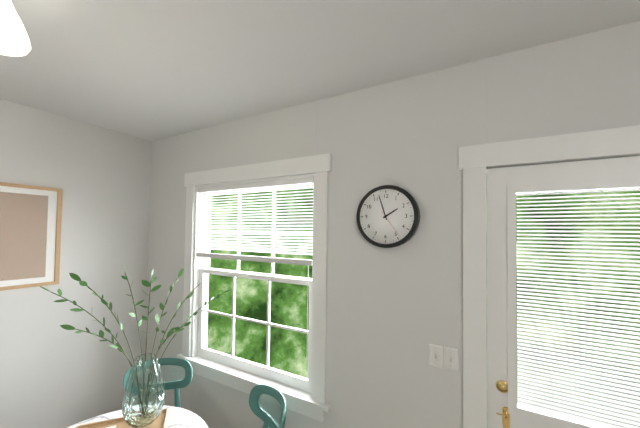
1:57
